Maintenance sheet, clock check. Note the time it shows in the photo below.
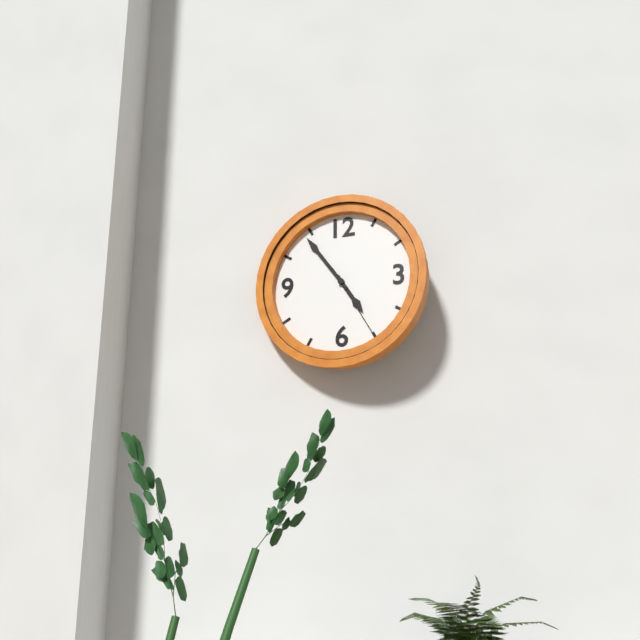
4:54:25
